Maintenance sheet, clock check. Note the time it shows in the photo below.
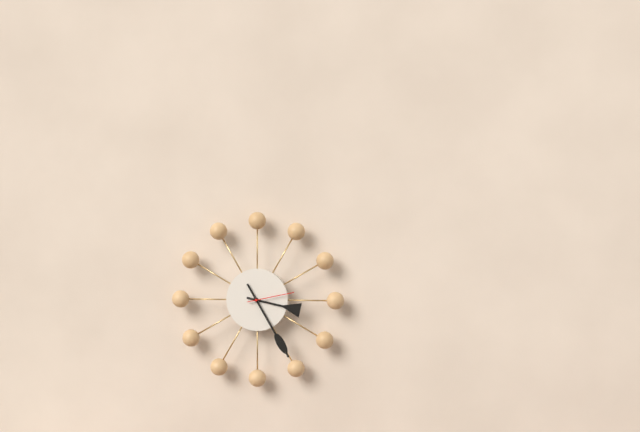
3:25
